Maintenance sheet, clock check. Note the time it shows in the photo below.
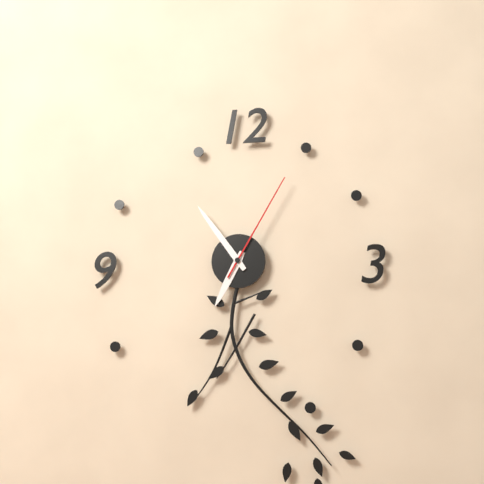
6:54:05
